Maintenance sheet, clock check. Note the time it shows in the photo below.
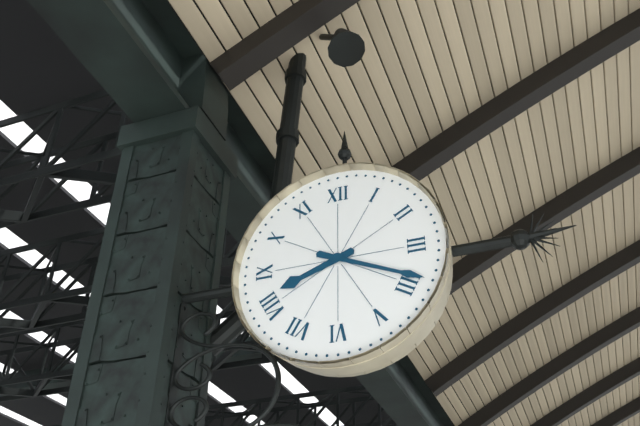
8:19
